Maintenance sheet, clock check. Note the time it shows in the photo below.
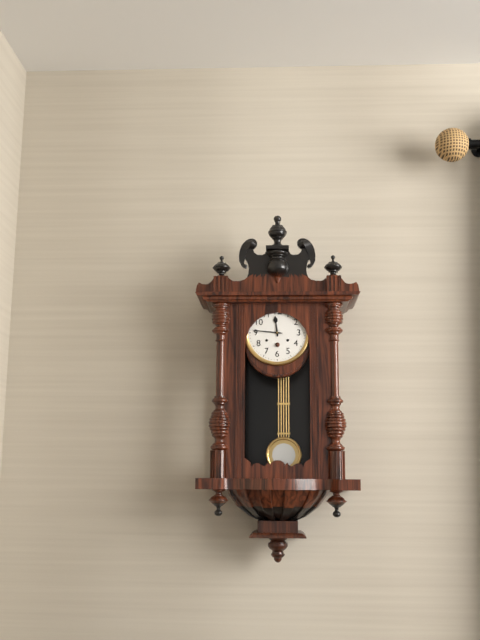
11:46
